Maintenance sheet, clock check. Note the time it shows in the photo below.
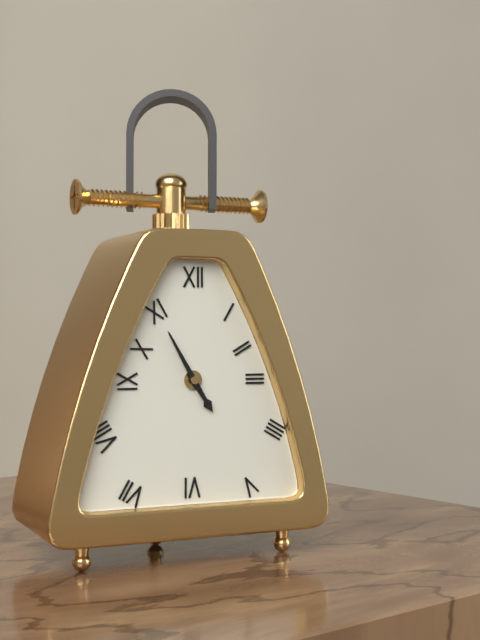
4:55
